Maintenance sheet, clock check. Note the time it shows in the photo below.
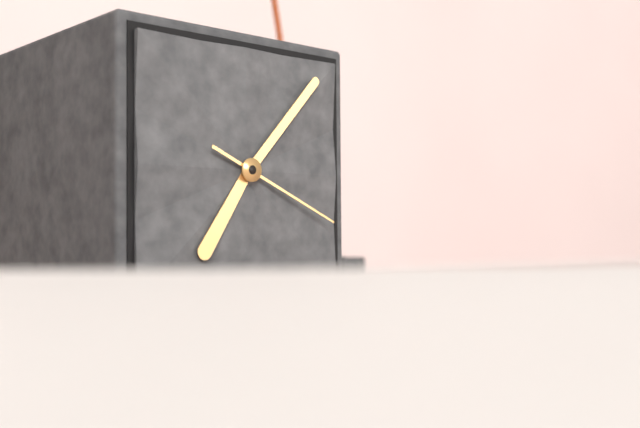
7:07:19
